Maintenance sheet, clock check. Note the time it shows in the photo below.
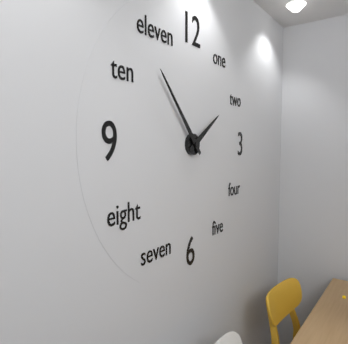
1:53
